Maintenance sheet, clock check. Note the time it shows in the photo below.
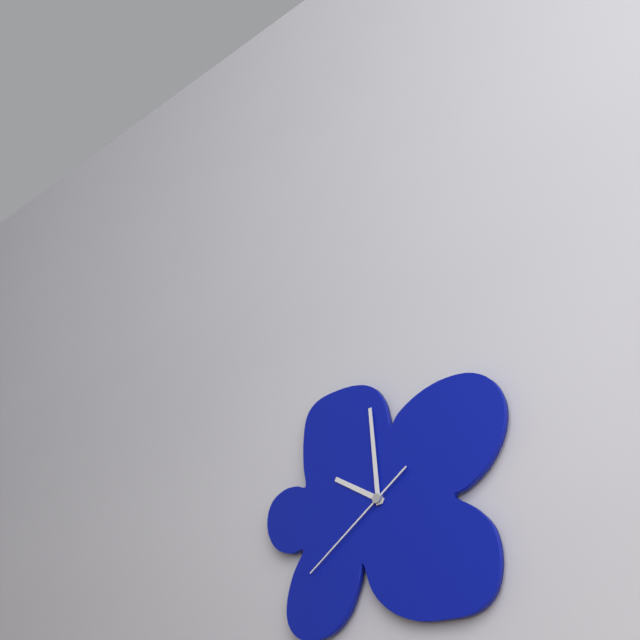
9:59:39
